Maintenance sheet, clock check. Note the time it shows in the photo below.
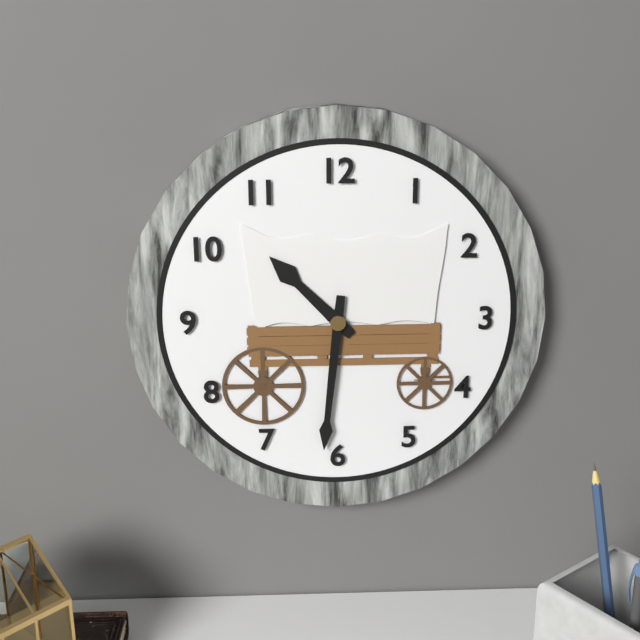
10:31
